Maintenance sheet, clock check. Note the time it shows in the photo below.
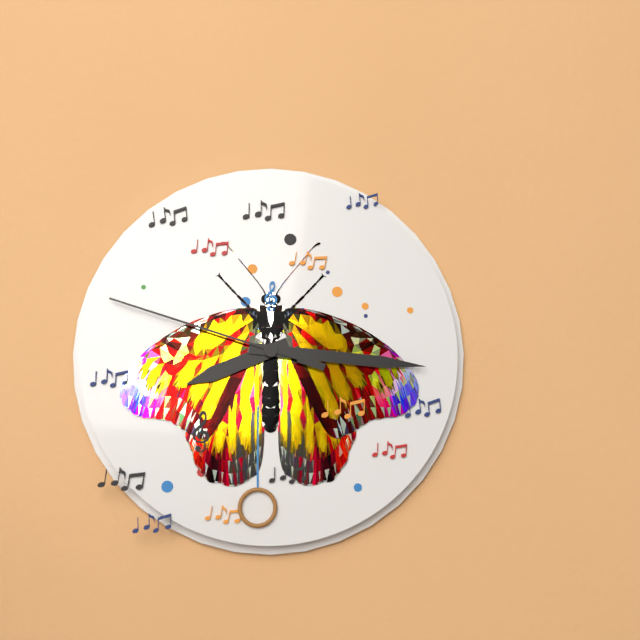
8:16:48
